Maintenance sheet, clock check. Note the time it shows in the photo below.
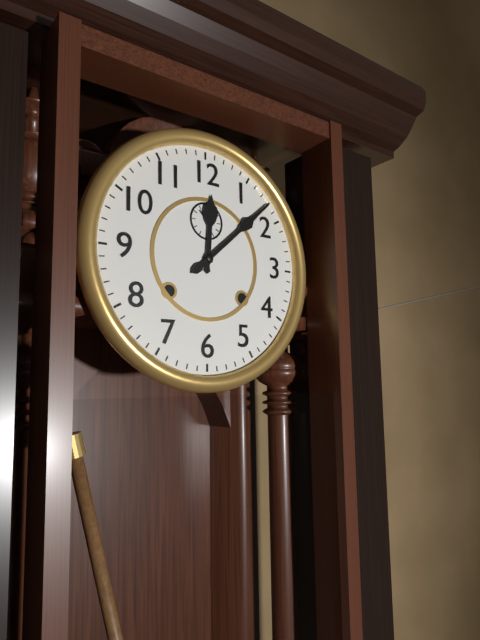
12:08
